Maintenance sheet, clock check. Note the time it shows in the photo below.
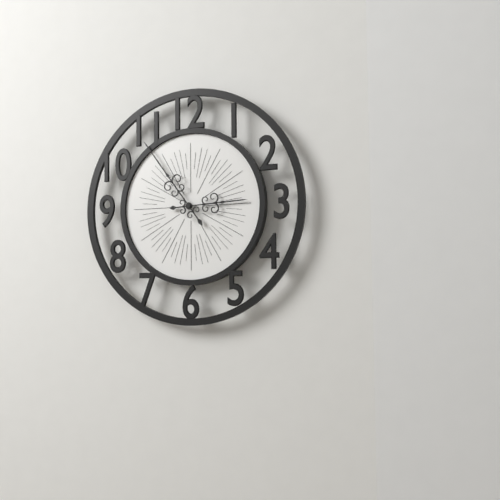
2:54
